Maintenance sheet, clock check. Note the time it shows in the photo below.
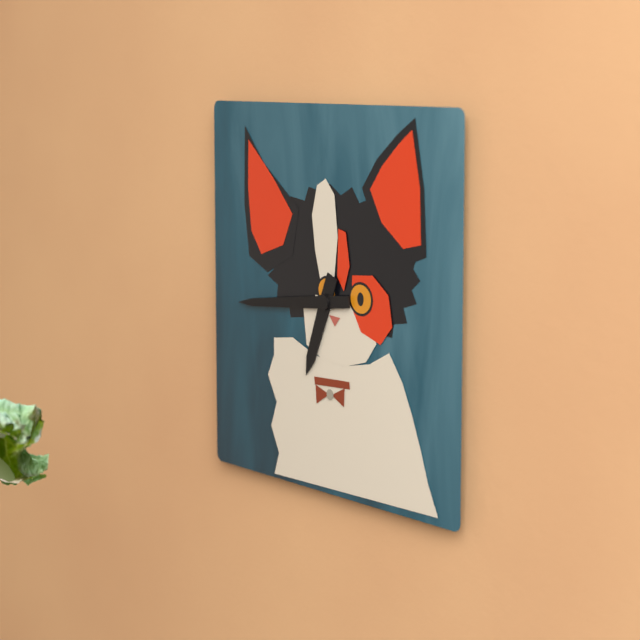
6:44
